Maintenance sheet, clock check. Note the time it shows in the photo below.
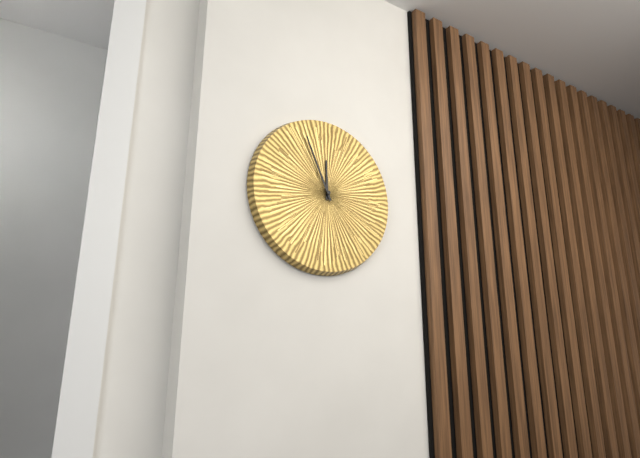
11:56
